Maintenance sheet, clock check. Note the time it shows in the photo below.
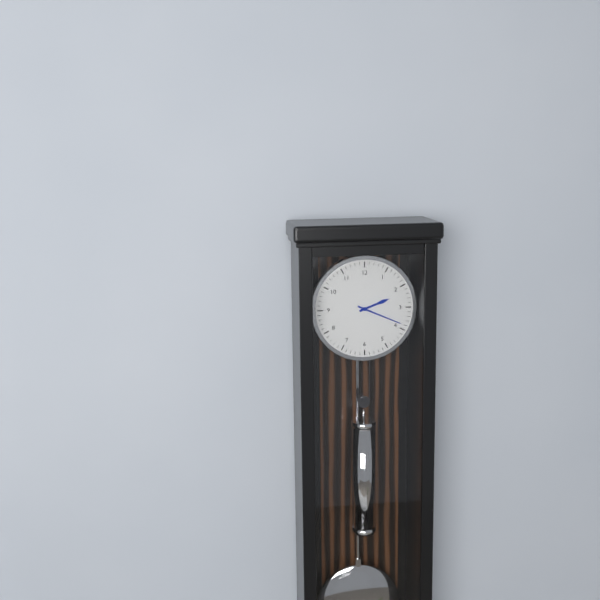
2:19
